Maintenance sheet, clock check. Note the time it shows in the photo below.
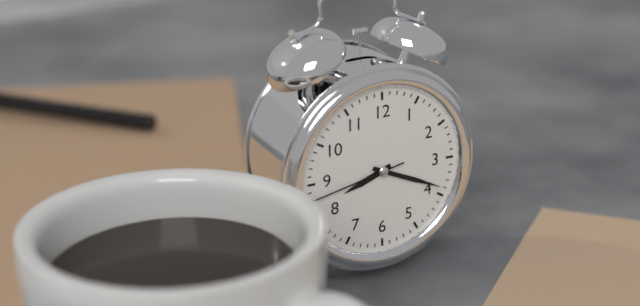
8:19:43
